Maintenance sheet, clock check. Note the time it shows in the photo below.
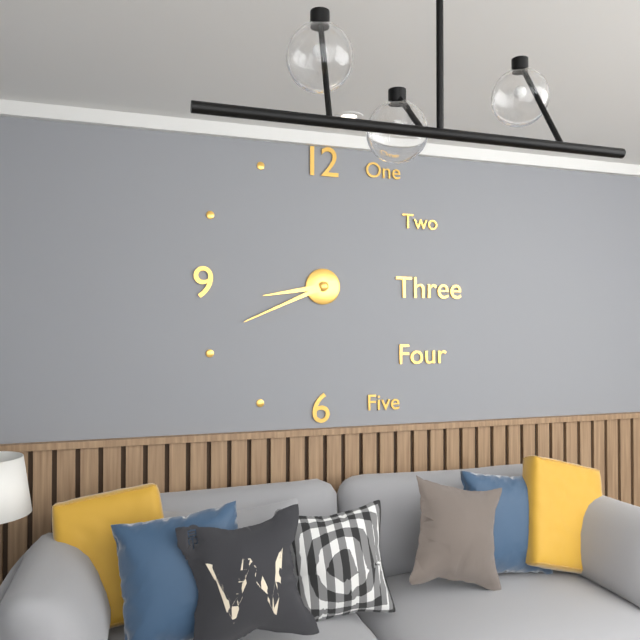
8:41
